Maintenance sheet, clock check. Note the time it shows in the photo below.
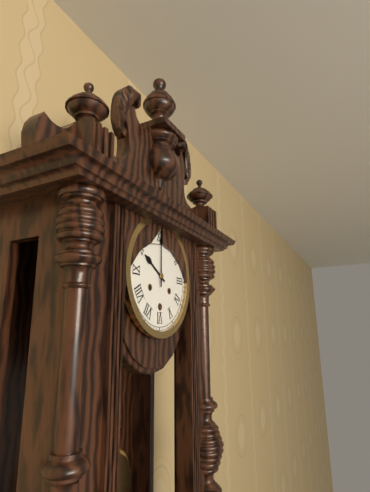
10:00
